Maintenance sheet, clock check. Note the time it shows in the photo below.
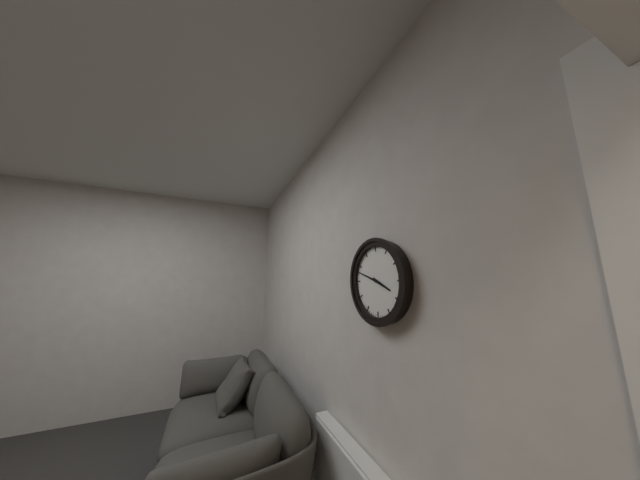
3:48
